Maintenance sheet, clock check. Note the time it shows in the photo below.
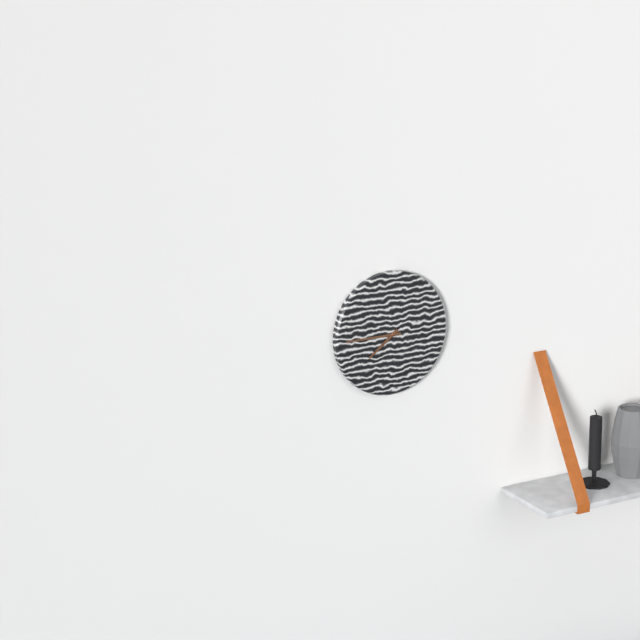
7:45
